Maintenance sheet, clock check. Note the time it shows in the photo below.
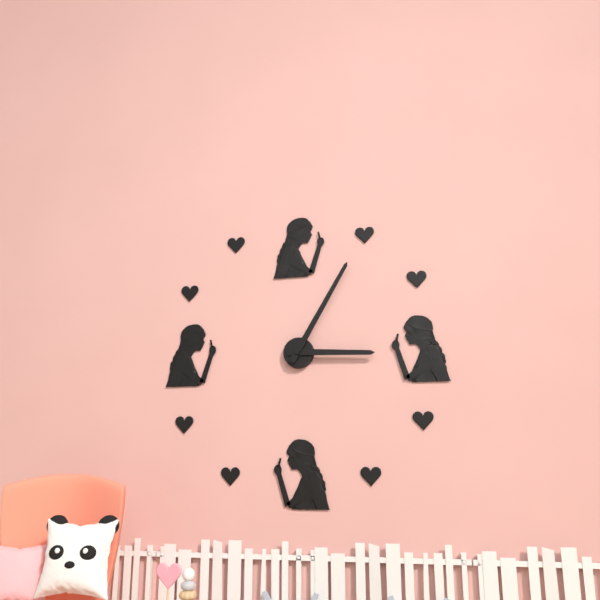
3:05
